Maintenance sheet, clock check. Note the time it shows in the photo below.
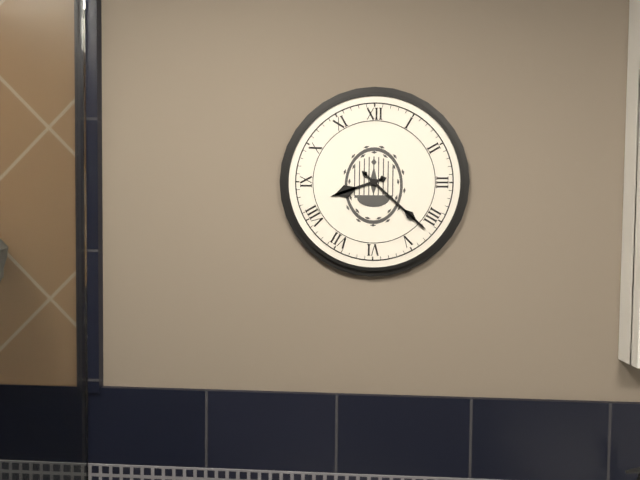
8:22
